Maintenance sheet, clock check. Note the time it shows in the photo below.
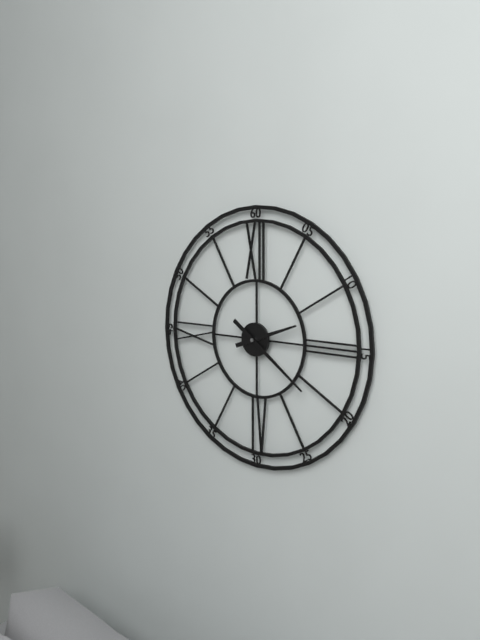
2:21
